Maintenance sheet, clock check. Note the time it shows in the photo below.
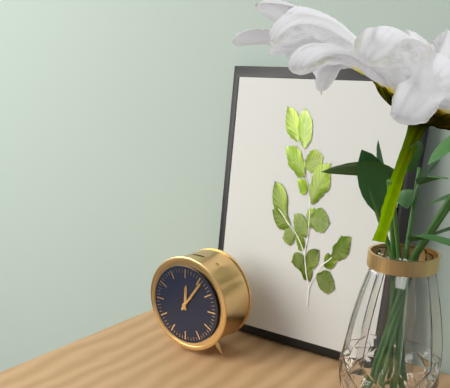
12:06
